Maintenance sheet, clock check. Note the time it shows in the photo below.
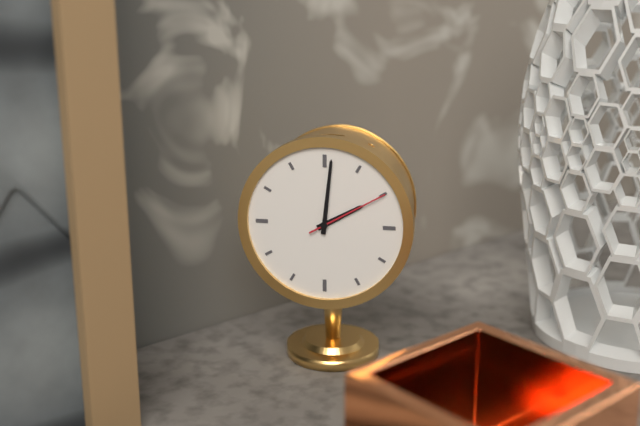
2:01:10
